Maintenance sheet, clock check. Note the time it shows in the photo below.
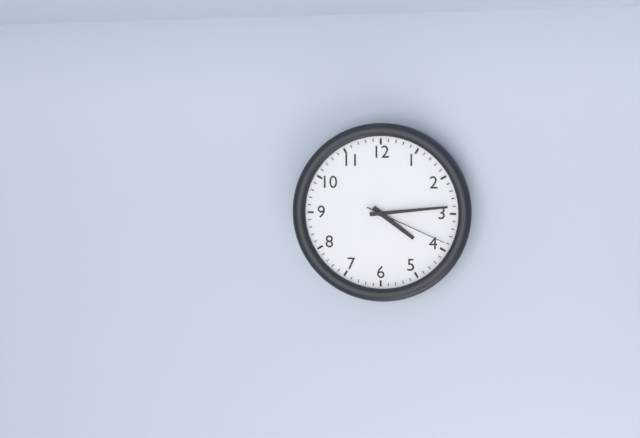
4:14:19
